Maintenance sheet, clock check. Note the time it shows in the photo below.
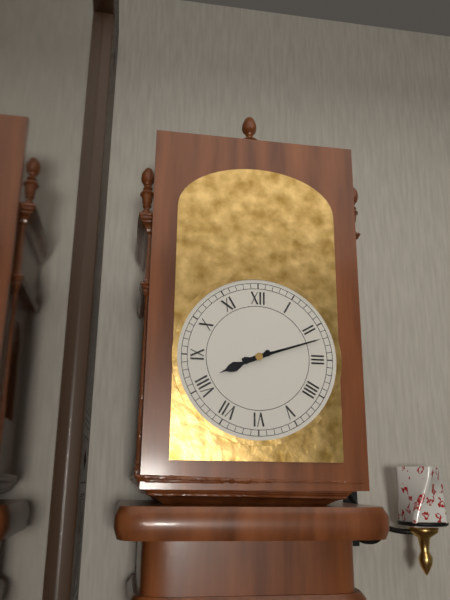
8:12
